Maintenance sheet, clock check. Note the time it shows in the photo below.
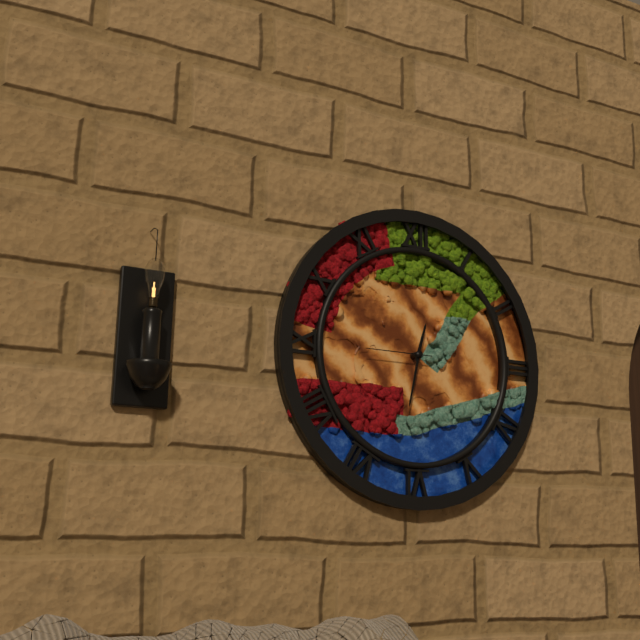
12:32:45
